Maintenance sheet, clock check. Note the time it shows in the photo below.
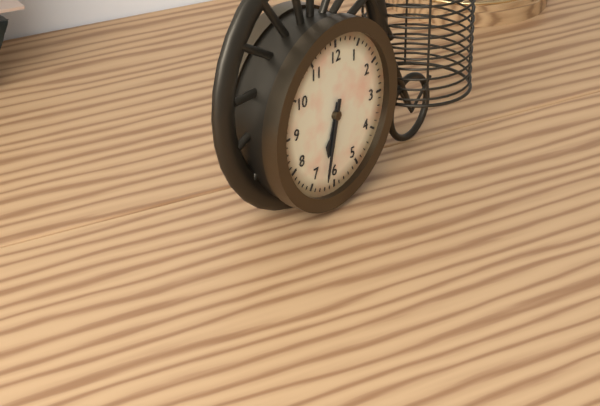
6:32
